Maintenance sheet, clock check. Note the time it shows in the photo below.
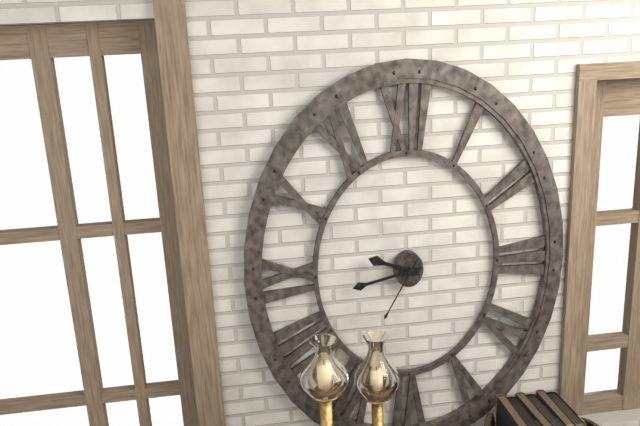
9:43:35
